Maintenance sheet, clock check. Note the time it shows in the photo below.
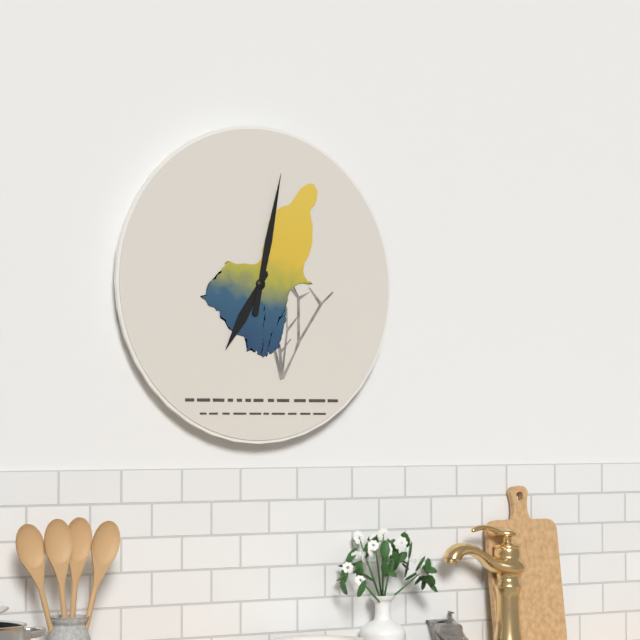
7:02
